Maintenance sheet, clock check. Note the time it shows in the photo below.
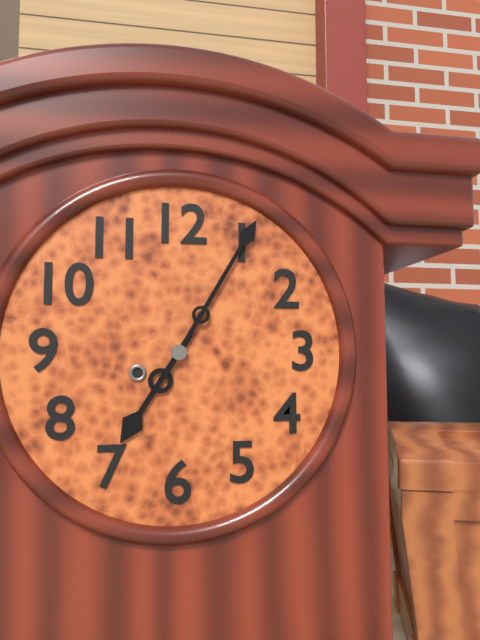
7:05
